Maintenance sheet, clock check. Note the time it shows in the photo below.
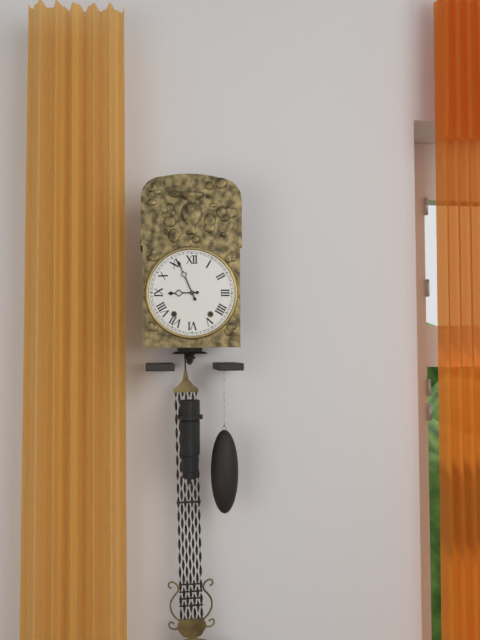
8:56
